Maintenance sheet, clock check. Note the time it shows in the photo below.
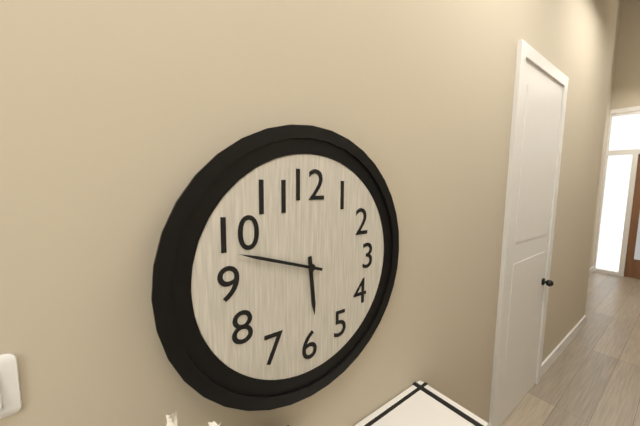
5:48
